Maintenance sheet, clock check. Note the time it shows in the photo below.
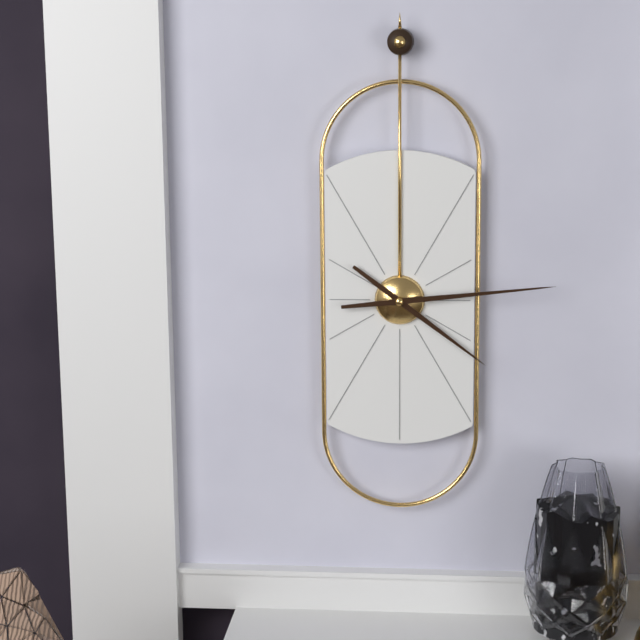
4:14
